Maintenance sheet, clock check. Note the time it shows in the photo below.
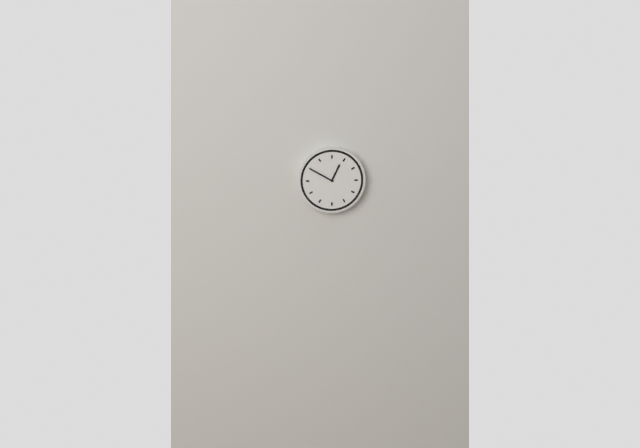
12:50
